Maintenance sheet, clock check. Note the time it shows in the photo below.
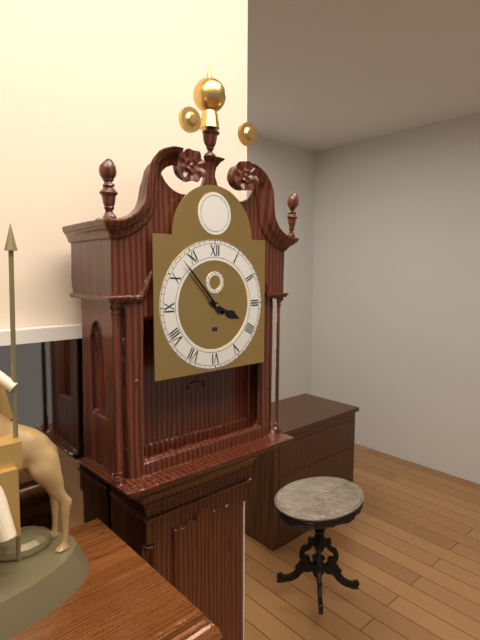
3:53
